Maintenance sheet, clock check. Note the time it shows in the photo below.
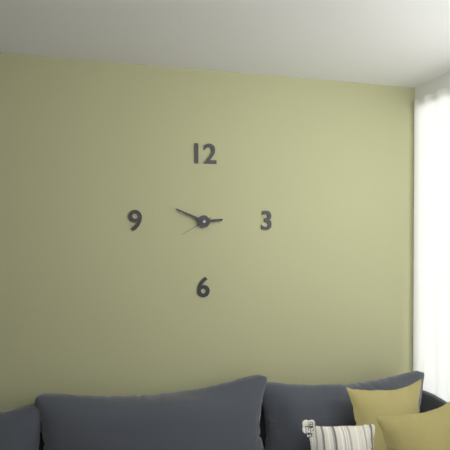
2:49
